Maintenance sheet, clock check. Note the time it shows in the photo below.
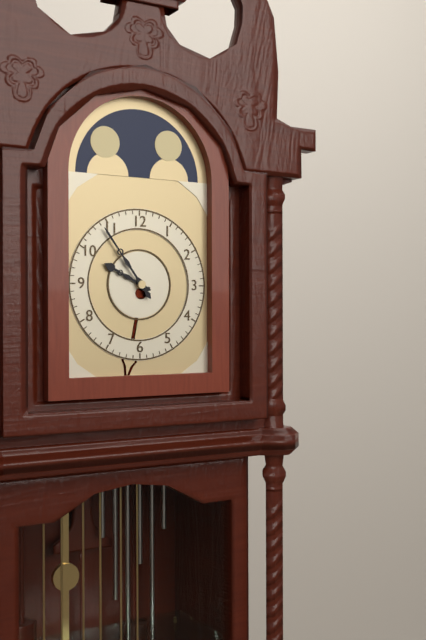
9:54
